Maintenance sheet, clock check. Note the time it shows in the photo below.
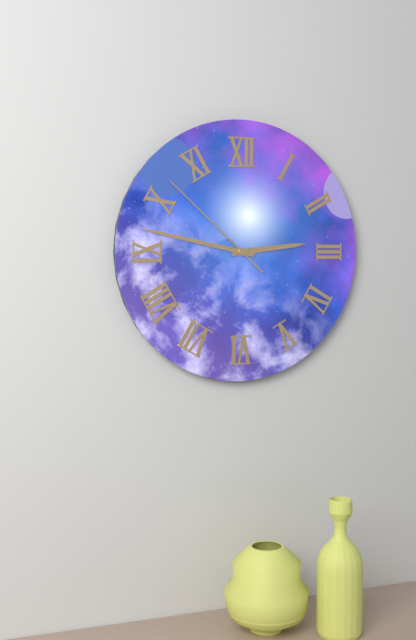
2:47:52
